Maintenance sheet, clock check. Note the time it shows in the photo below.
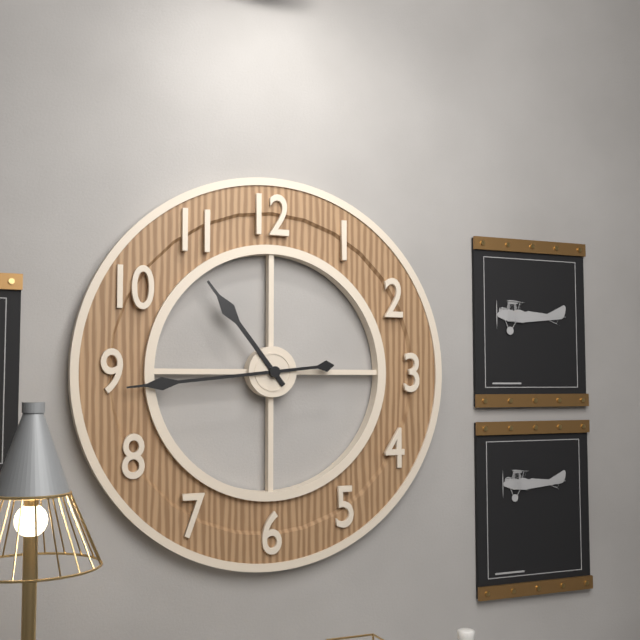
10:44
